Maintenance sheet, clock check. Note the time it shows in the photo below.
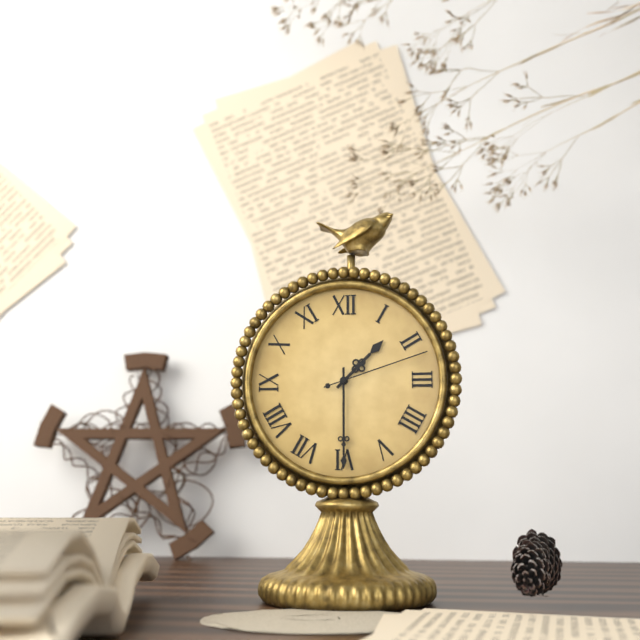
1:30:12
